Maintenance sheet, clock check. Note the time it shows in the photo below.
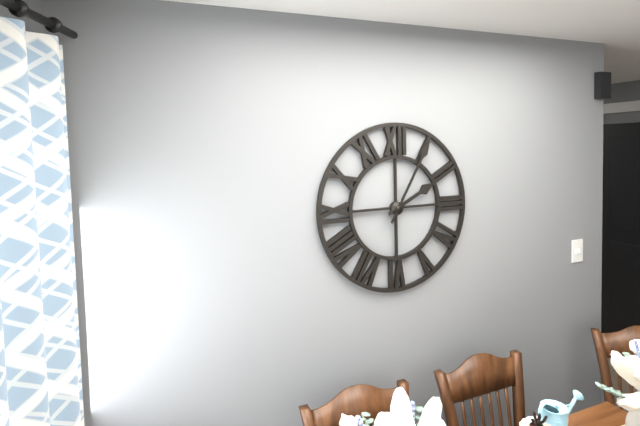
2:05
